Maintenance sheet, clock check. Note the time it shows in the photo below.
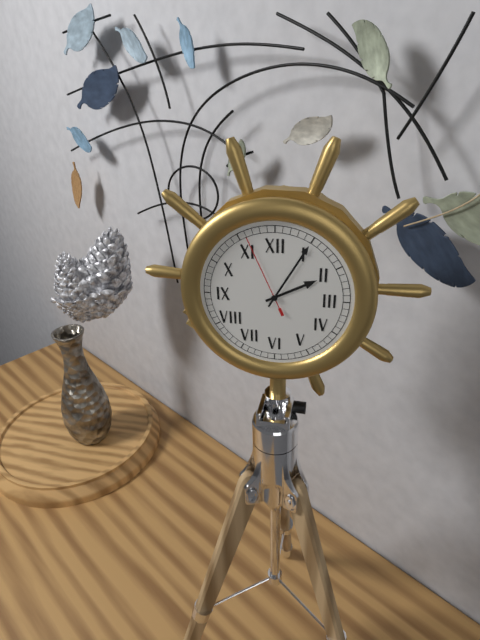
2:05:56
